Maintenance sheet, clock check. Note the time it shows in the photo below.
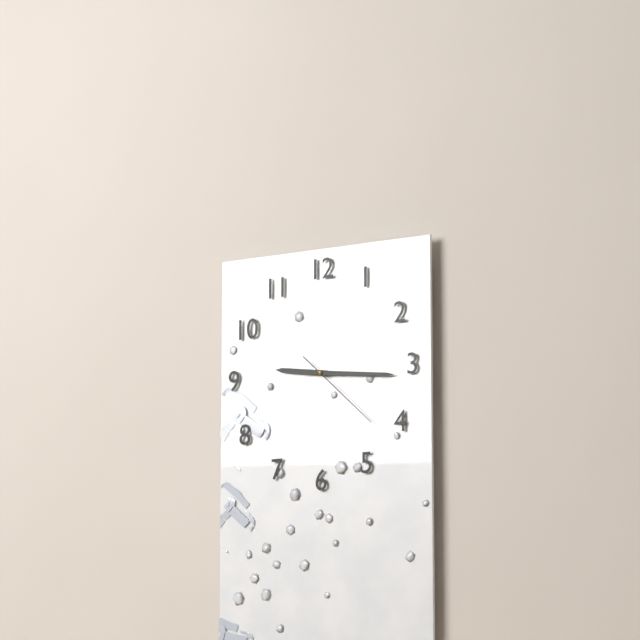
9:16:22
